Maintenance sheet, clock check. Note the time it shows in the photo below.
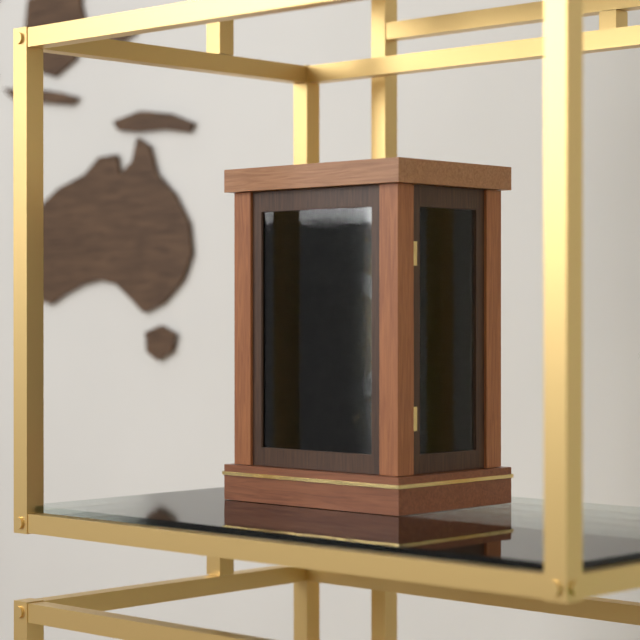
8:02
